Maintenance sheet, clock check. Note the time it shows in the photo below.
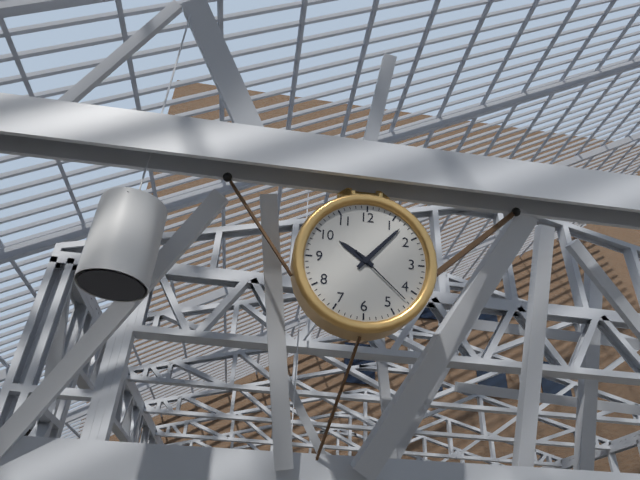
10:07:22
